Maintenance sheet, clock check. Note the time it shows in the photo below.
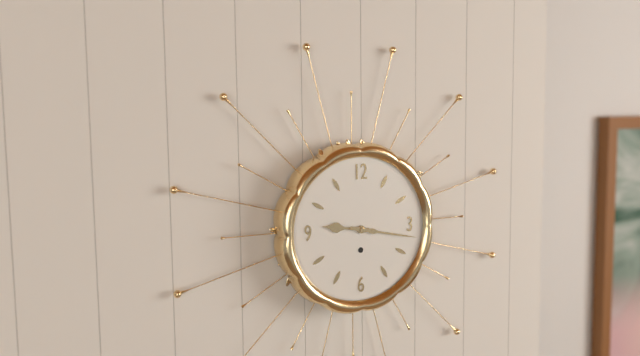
9:17
